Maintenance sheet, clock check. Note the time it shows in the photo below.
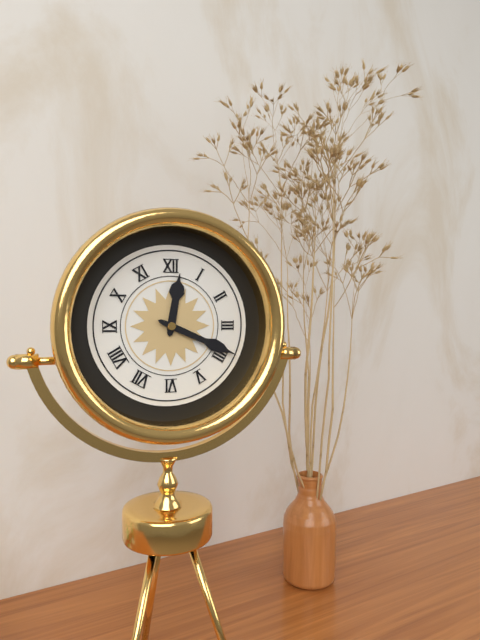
12:19
